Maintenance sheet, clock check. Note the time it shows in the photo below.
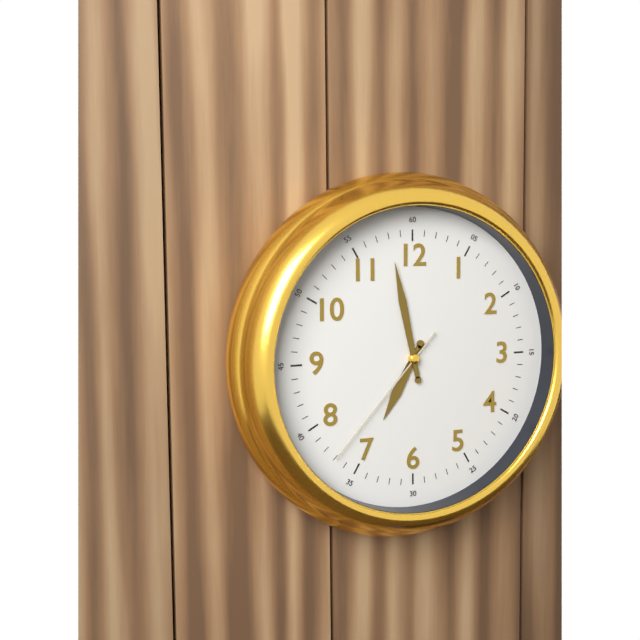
6:58:37
